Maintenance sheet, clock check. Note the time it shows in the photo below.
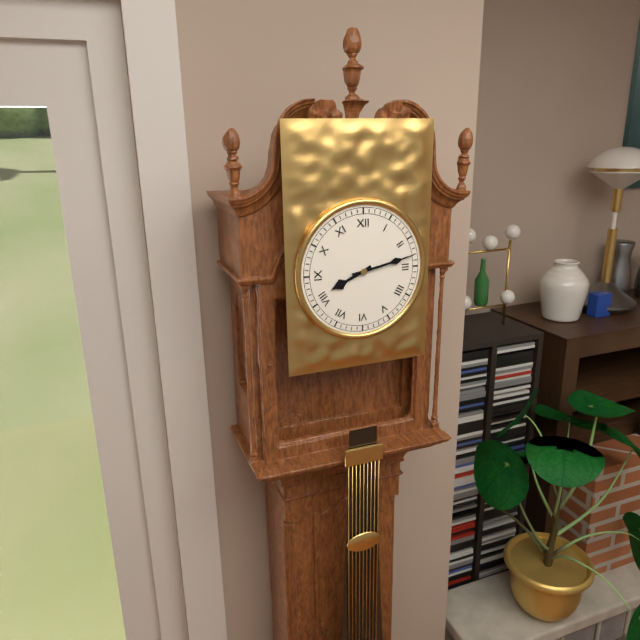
8:13
